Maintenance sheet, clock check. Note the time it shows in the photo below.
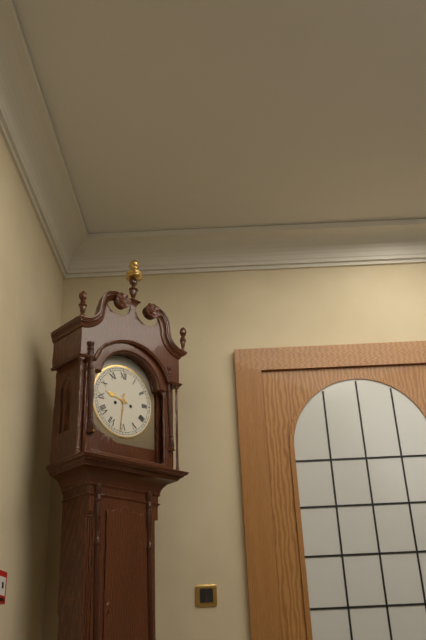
9:31
